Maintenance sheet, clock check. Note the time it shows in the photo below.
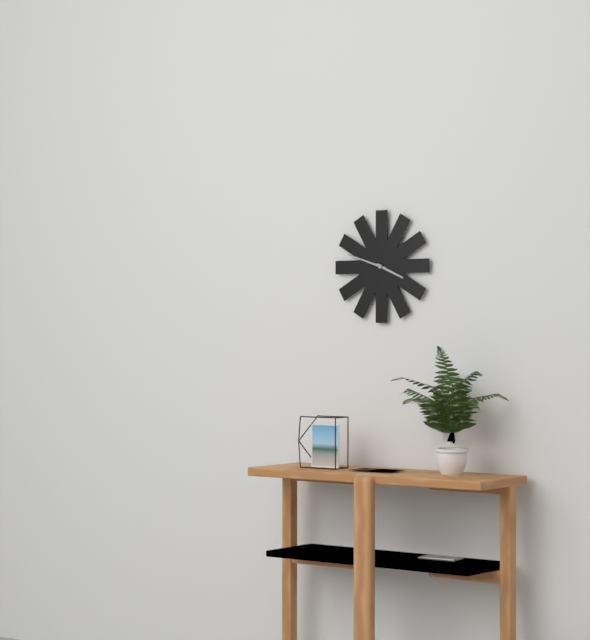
3:48
